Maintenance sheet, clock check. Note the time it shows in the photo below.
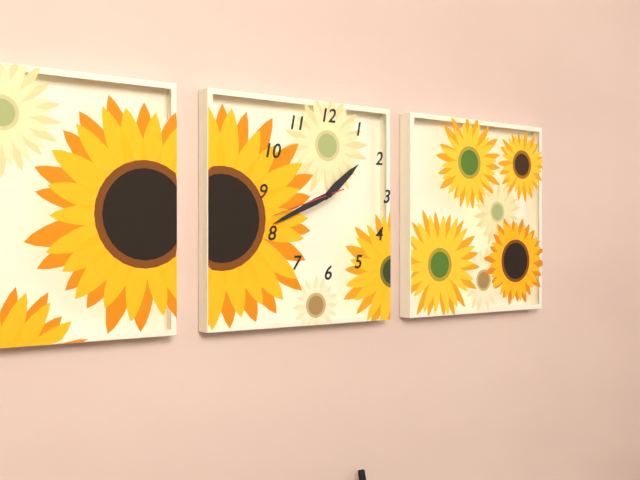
1:41:42
